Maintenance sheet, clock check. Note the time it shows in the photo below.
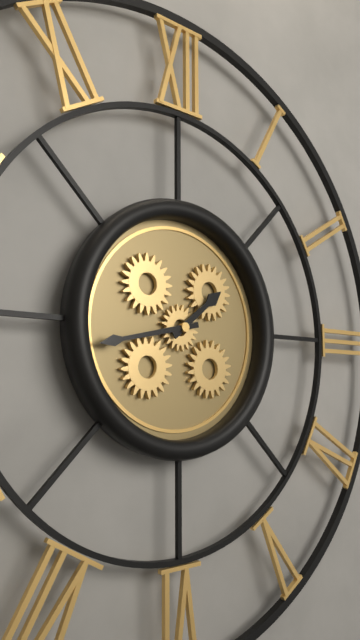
1:43
